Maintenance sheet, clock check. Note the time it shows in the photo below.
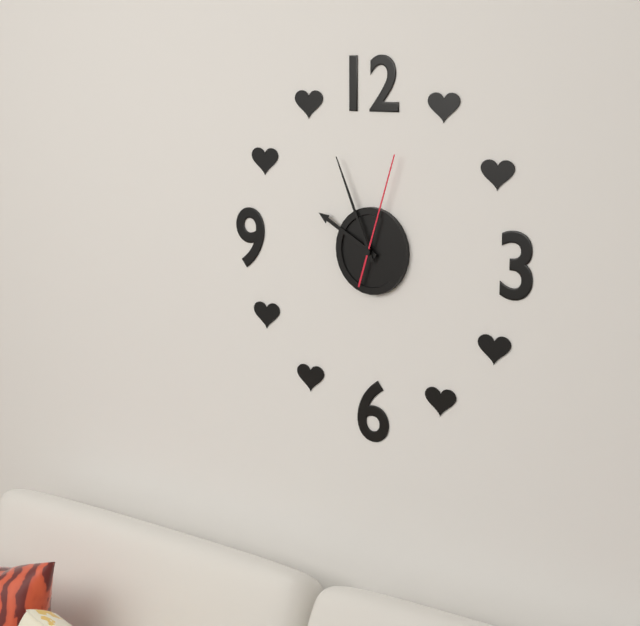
9:56:03
